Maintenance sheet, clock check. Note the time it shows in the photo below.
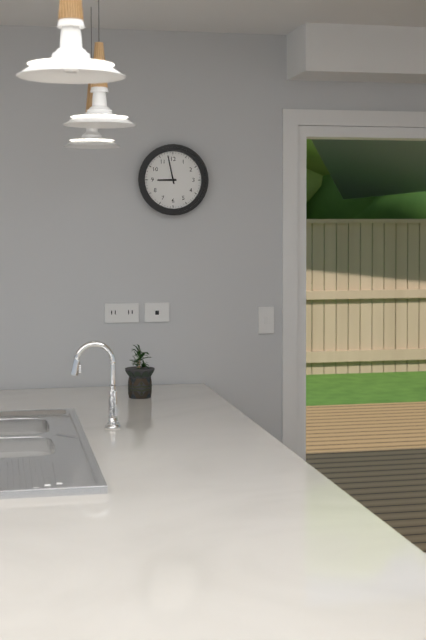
8:58
